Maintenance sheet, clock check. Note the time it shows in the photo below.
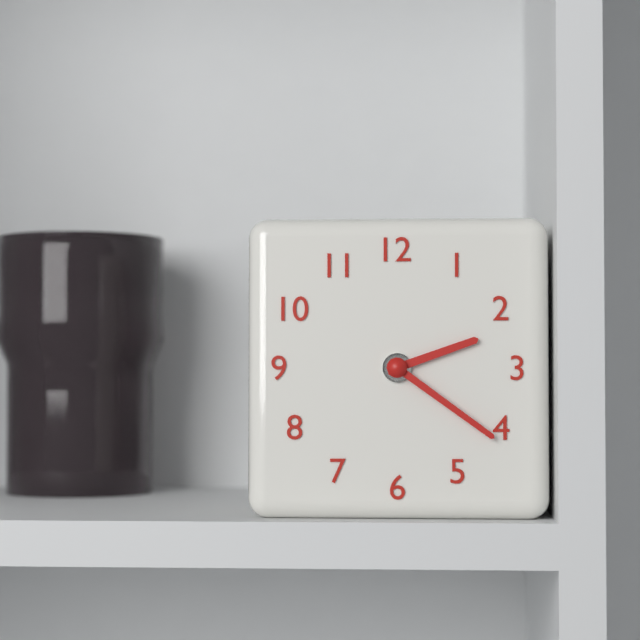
2:21
